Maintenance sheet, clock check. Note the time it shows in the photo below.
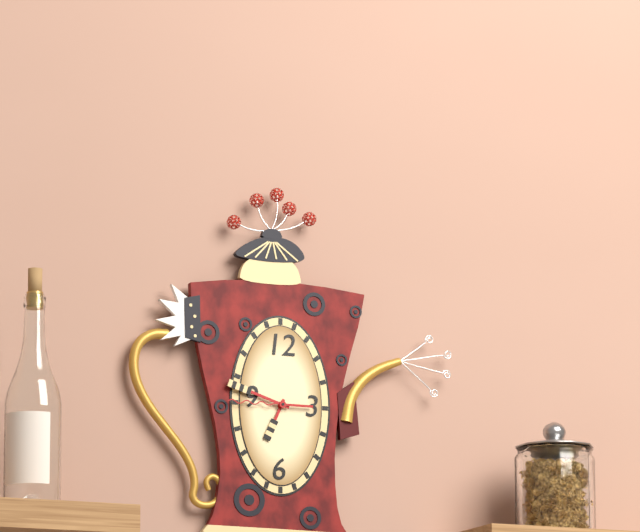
6:48:45
